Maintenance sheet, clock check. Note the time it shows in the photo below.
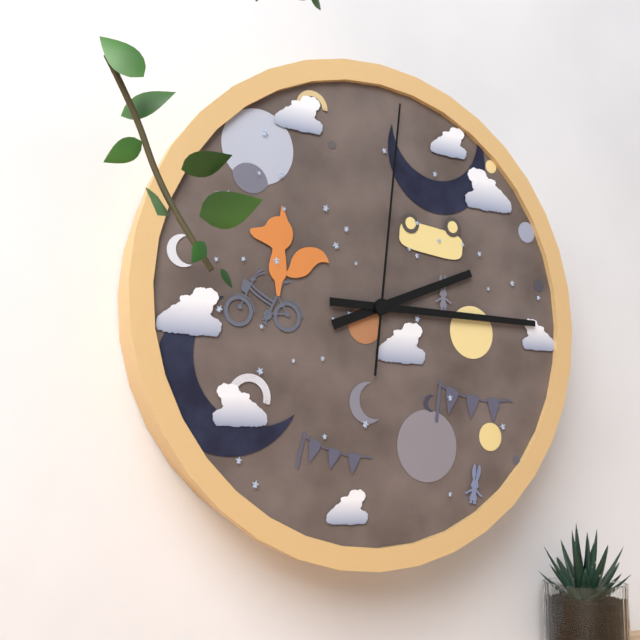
2:15:01
